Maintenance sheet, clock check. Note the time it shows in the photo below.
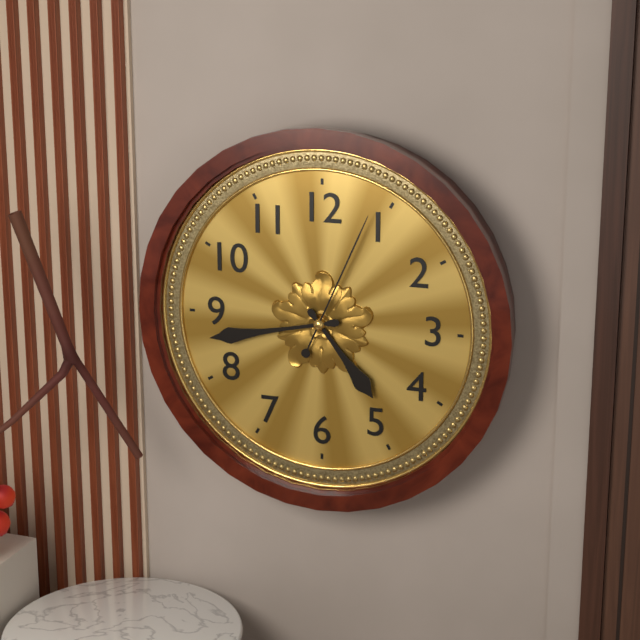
4:43:04
